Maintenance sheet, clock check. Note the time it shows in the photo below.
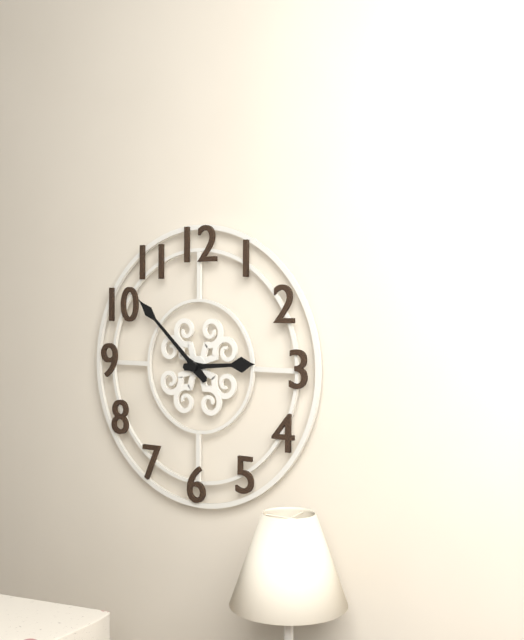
2:52
